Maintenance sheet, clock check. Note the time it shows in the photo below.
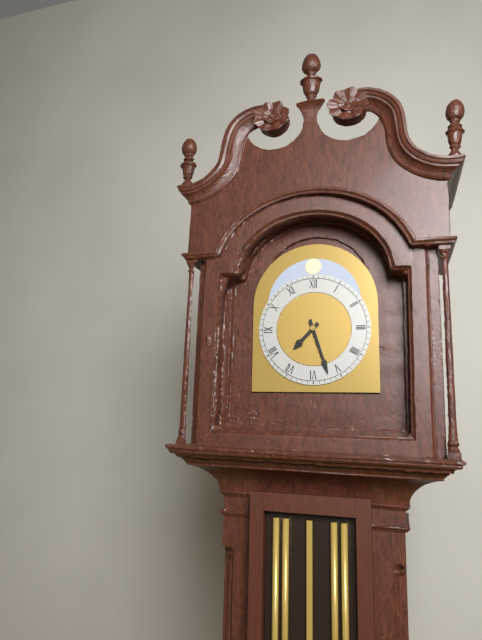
7:27
